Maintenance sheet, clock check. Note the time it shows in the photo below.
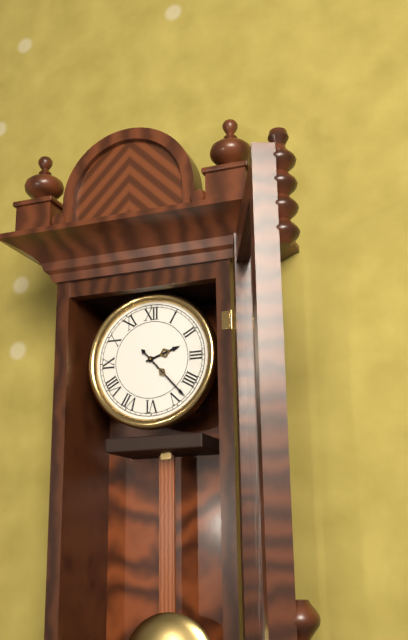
2:23
